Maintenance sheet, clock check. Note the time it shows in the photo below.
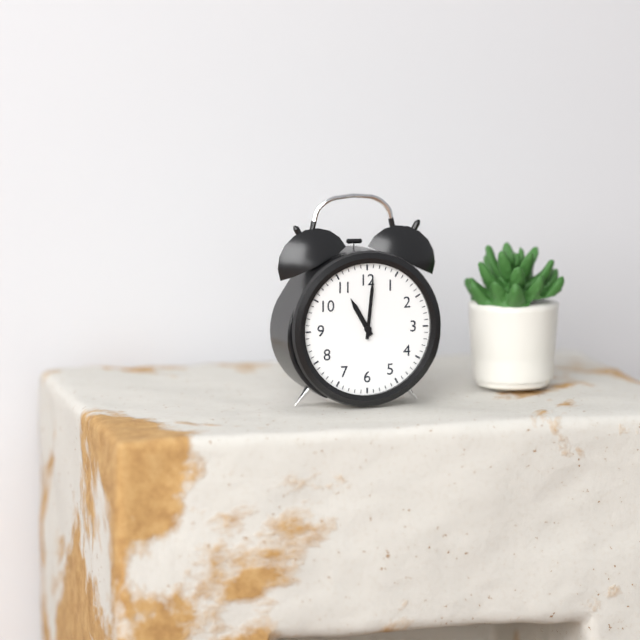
11:01
